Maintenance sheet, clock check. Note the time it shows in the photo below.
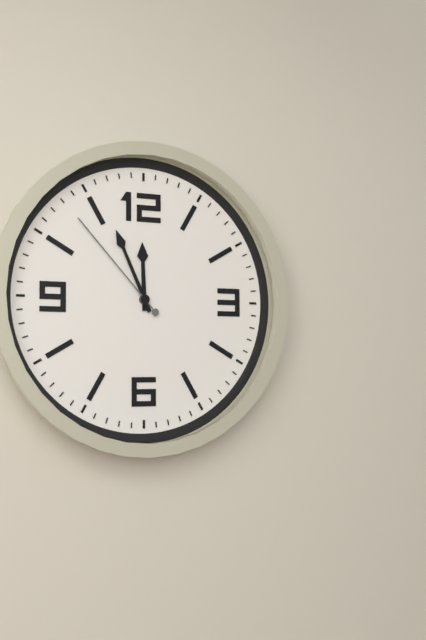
11:56:53
